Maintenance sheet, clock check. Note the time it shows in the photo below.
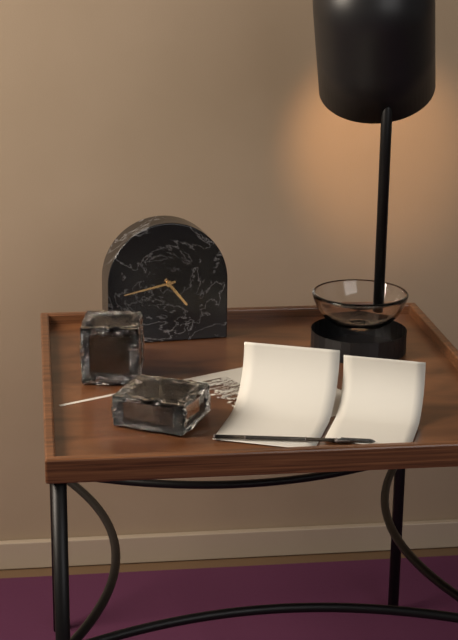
4:43
